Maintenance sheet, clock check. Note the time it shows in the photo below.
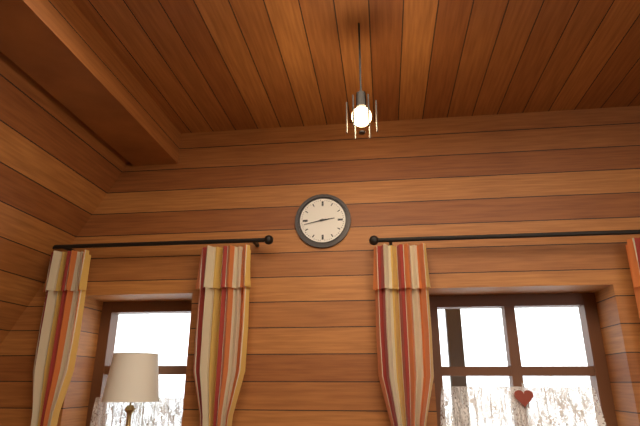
2:43
